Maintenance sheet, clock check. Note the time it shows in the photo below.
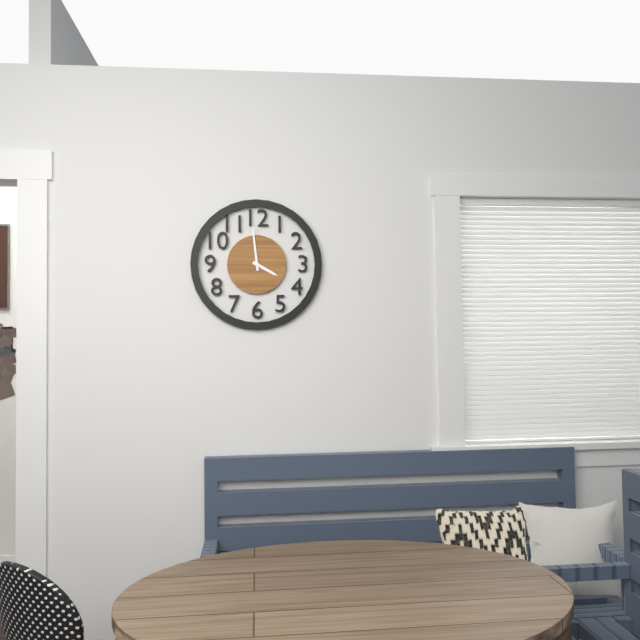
3:59
